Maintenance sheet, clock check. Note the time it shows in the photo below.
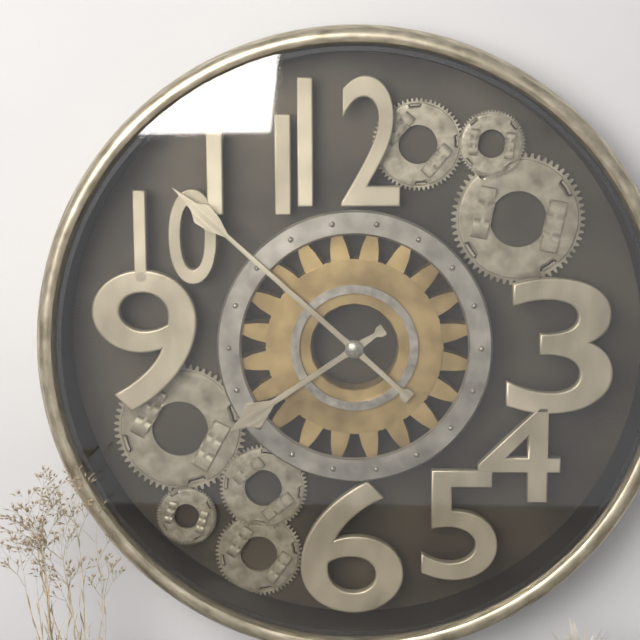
7:52
